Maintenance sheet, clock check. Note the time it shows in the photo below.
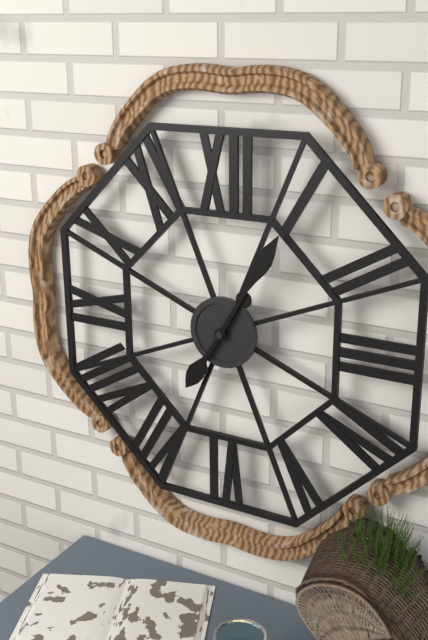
7:05
